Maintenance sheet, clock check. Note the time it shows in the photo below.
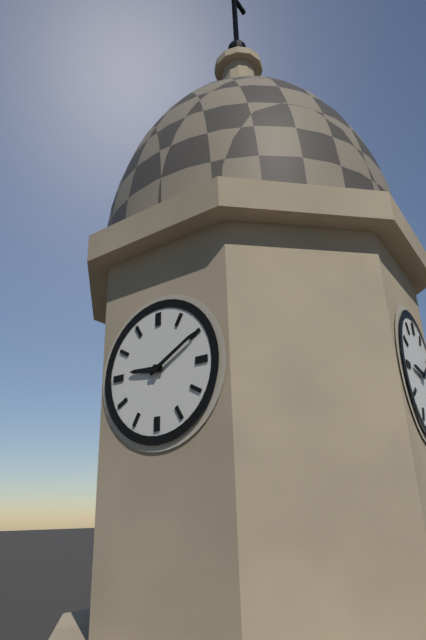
9:10
